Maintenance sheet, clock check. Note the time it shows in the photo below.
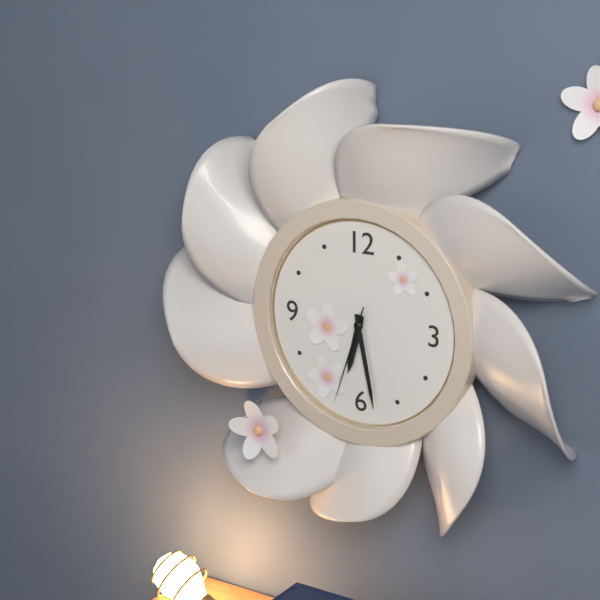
6:28:33
